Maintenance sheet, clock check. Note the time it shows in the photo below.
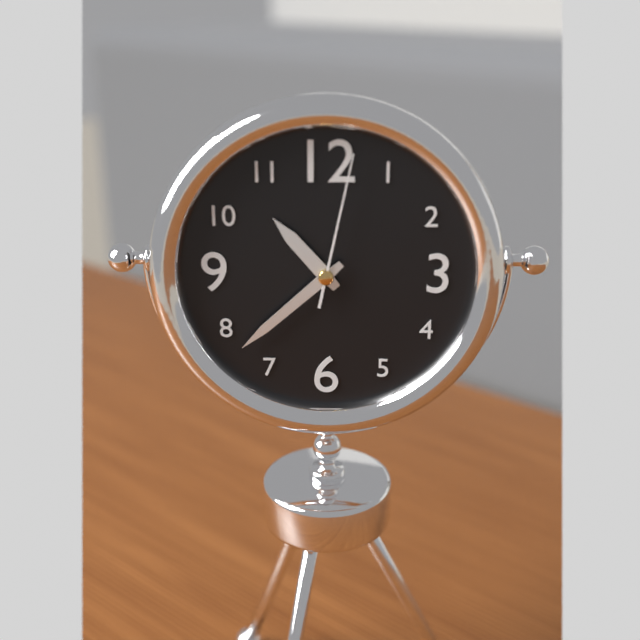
10:38:02
